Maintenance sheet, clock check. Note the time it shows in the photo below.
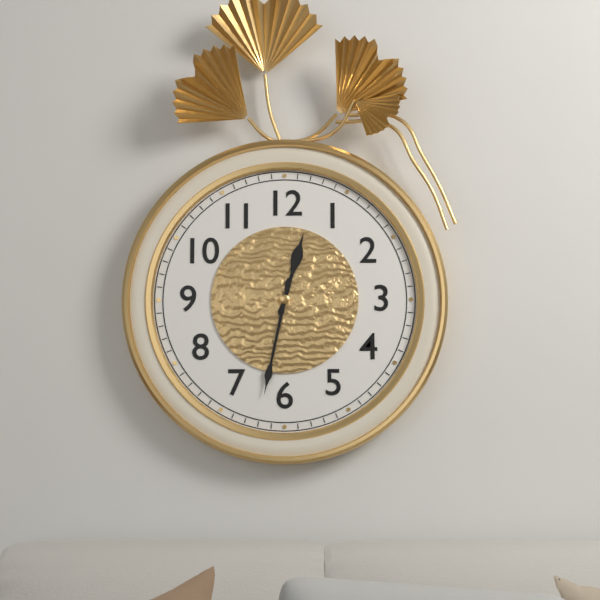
12:32
